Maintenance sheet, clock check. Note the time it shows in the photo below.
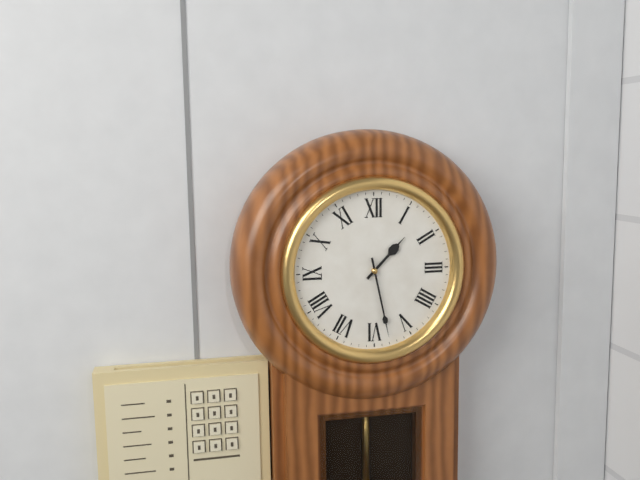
1:28
